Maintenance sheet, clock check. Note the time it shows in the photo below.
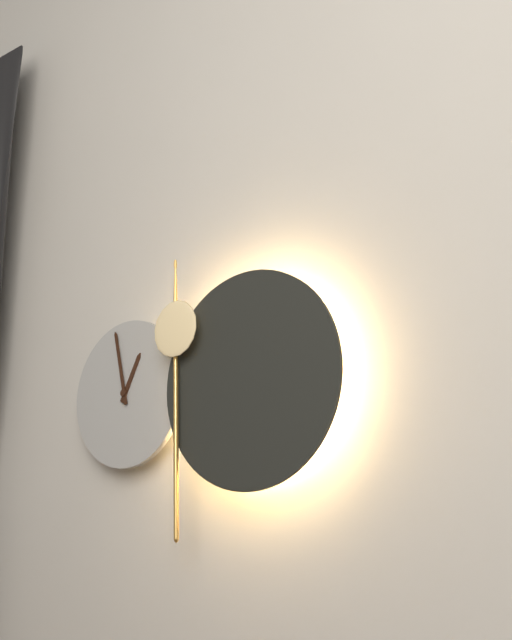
12:58
